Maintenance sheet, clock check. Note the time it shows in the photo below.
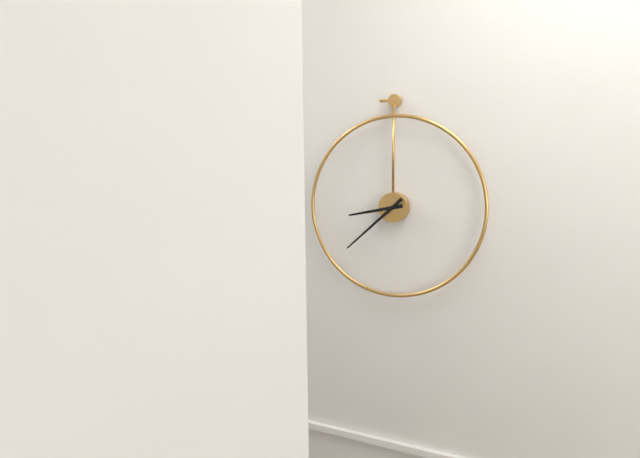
8:38
